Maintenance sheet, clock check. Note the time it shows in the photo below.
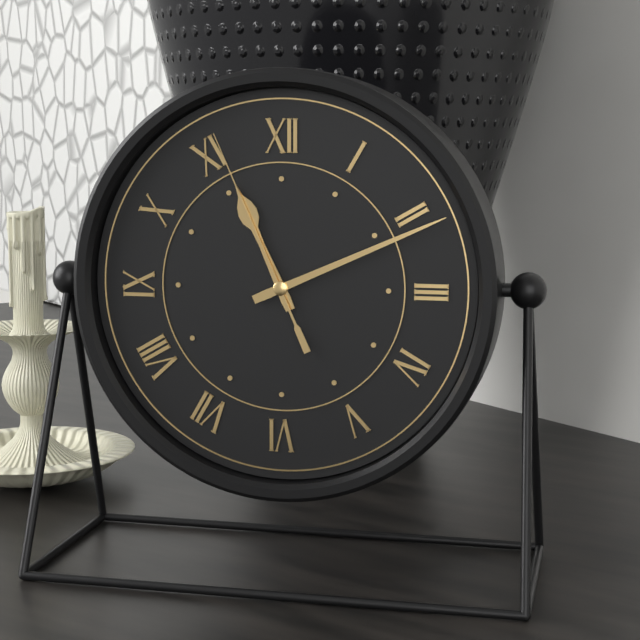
11:11:56
